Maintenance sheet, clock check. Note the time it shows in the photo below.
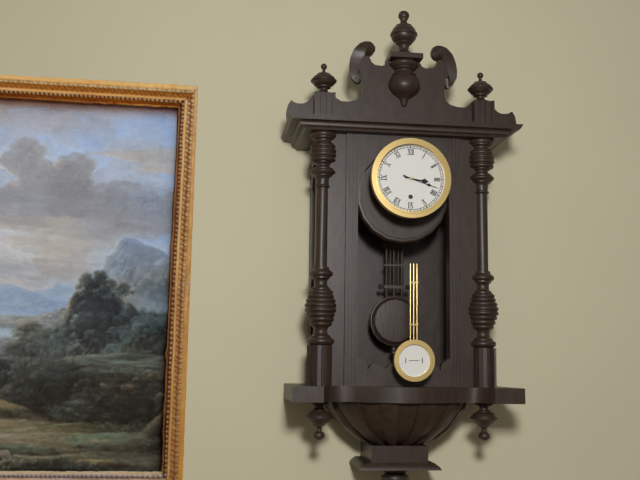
3:18
